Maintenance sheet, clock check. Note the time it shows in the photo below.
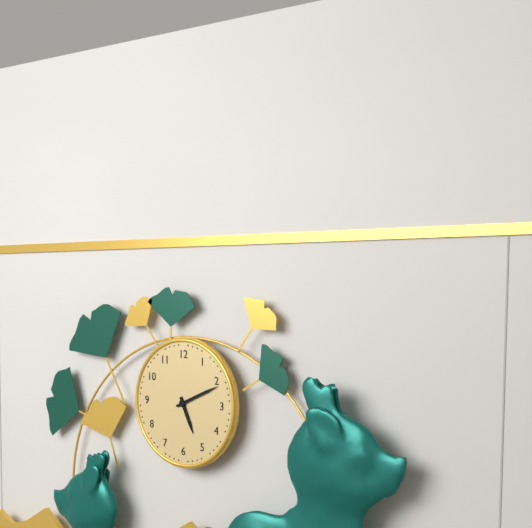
5:11
